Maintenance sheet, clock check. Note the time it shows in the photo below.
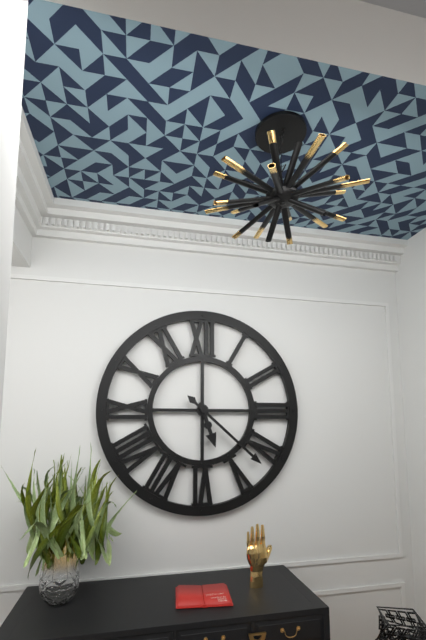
5:22
